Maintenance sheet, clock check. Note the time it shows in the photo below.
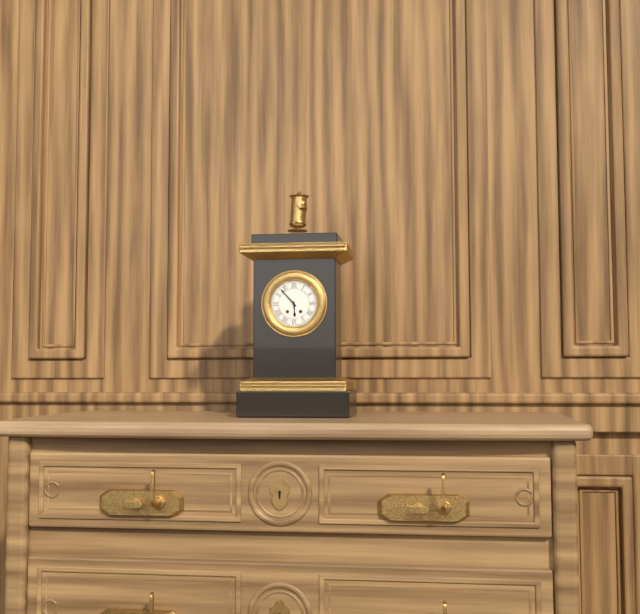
5:53
